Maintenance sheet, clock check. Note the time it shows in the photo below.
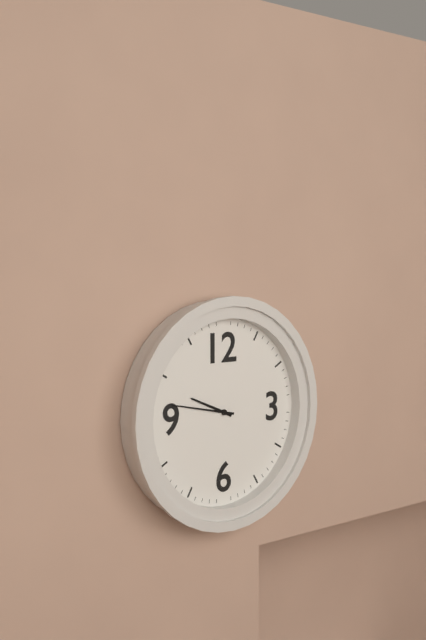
9:47
